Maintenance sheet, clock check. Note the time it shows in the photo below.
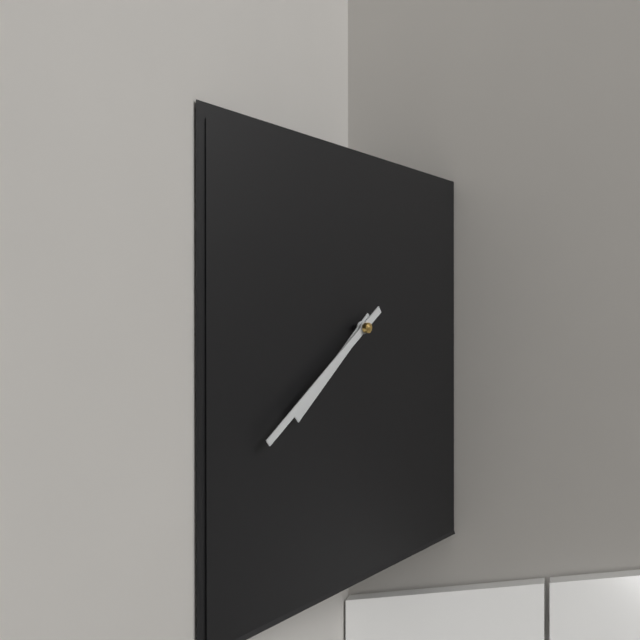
7:39
